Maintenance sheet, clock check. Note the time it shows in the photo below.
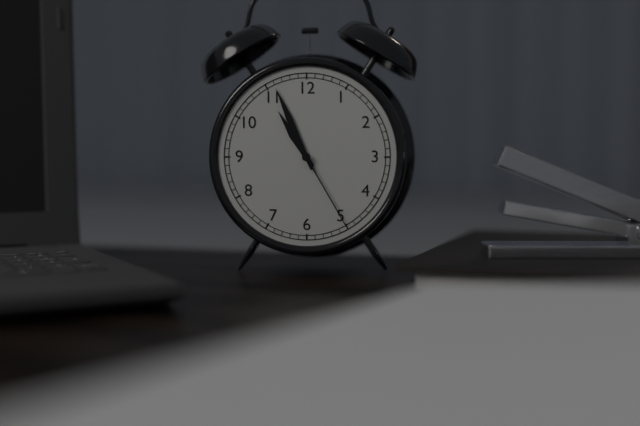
10:56:25
